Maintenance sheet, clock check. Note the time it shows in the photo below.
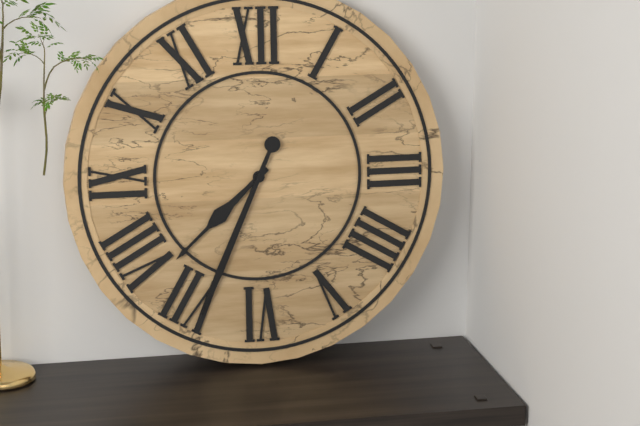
7:34
